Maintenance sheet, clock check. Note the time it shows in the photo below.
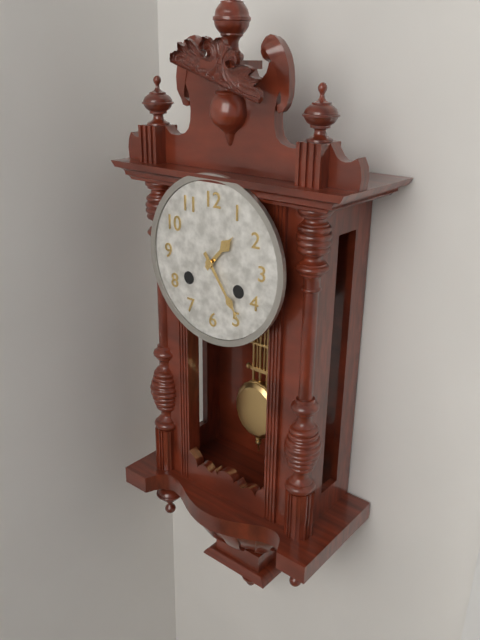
1:24
